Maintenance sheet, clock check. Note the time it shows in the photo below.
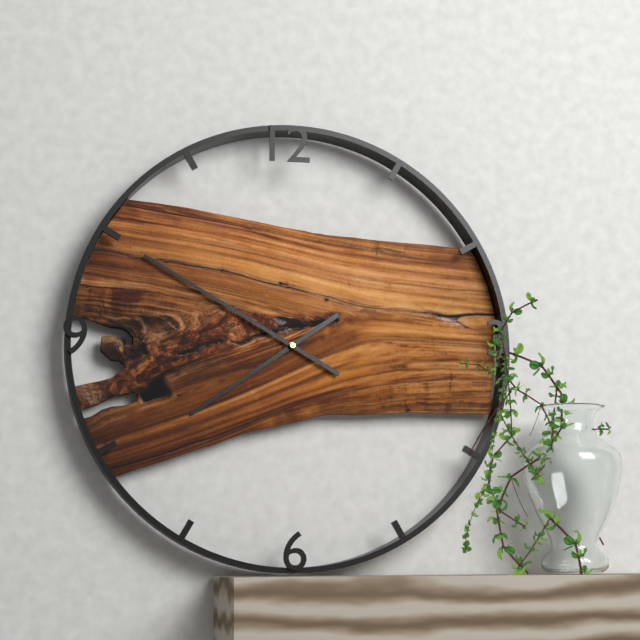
7:50
